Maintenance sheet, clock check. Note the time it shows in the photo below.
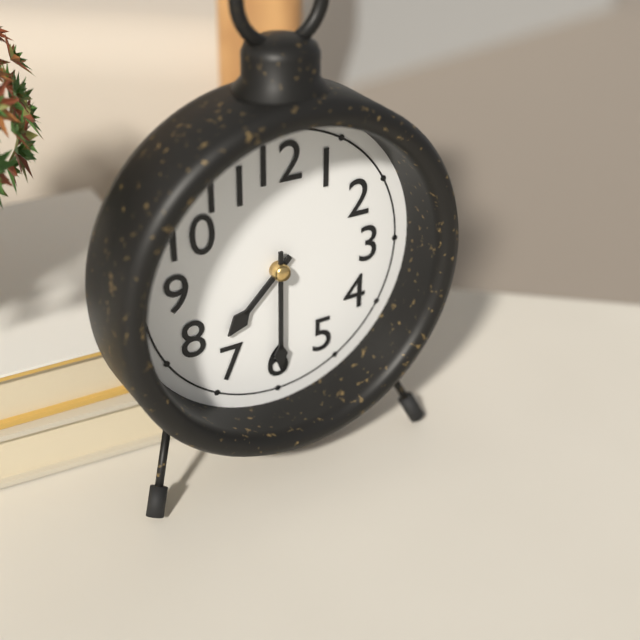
7:30
